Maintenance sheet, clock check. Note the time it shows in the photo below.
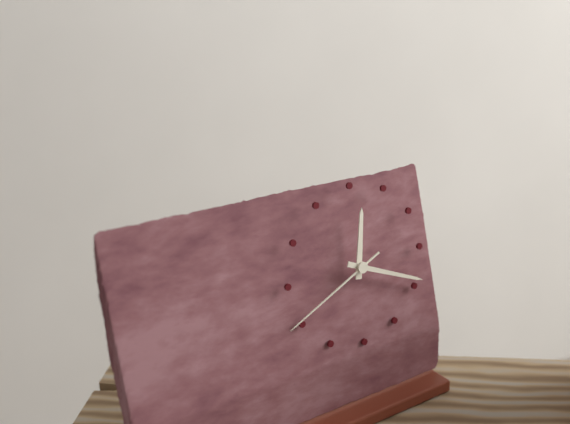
12:19:41
